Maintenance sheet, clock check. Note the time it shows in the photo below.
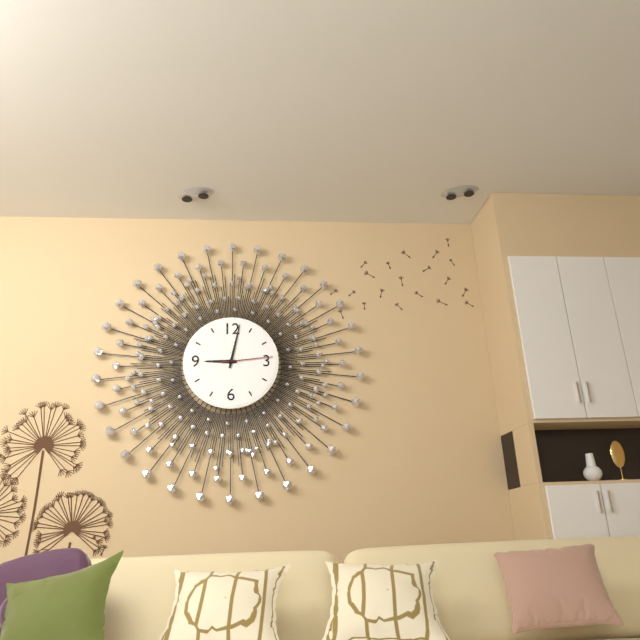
9:02:14
